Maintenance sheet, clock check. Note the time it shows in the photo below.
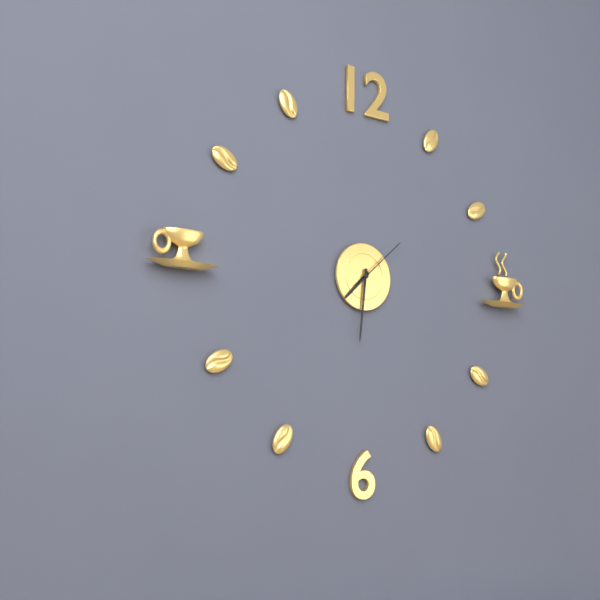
7:31:08
